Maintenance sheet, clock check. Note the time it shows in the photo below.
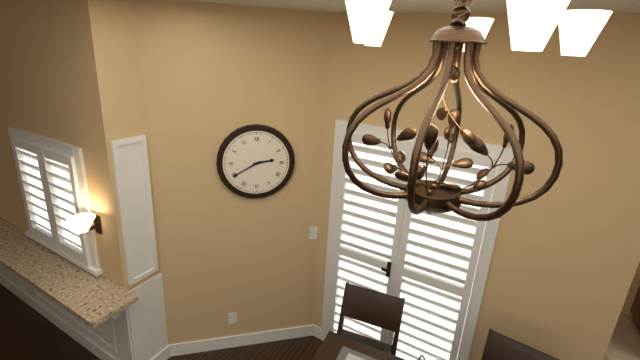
2:40
